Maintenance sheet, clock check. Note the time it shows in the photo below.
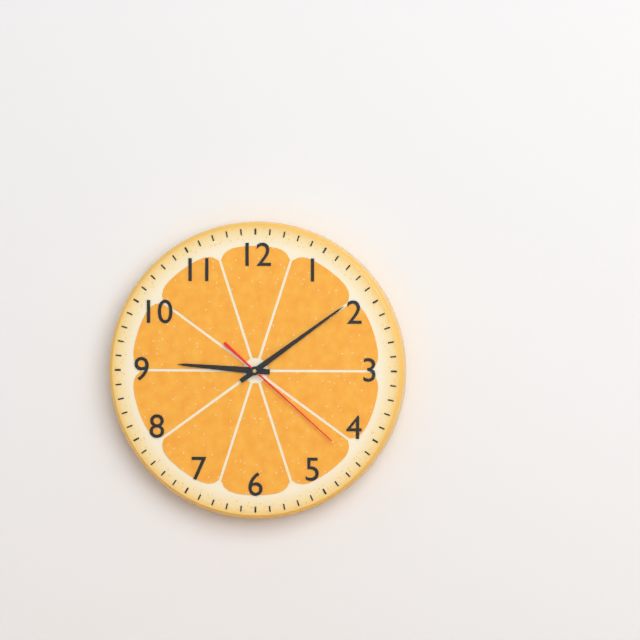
9:09:22
